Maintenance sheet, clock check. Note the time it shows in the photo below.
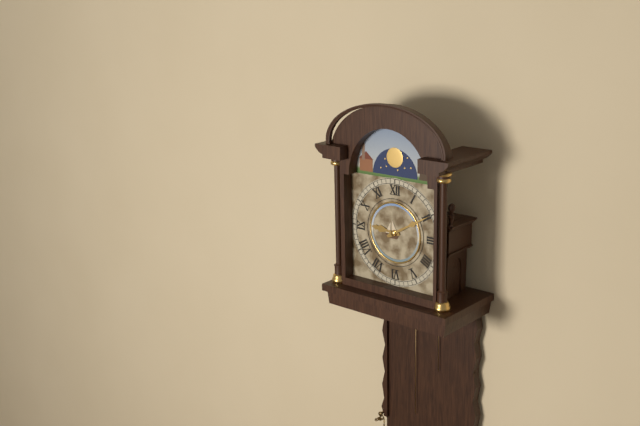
9:10
